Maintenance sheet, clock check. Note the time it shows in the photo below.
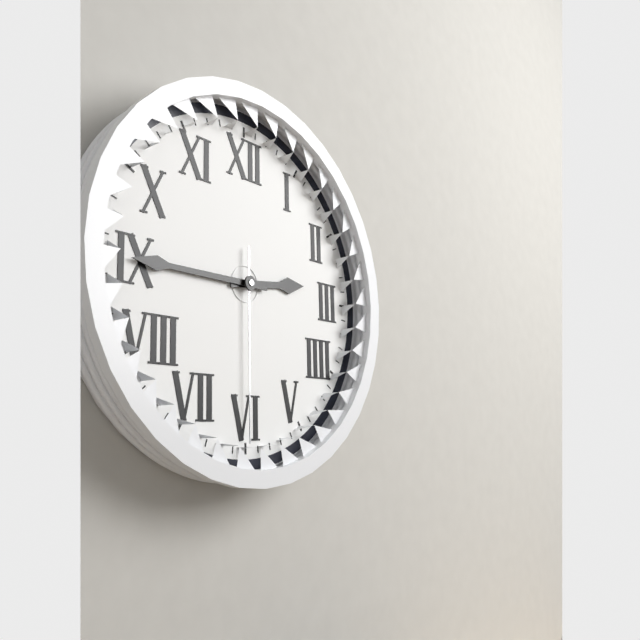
2:45:30
